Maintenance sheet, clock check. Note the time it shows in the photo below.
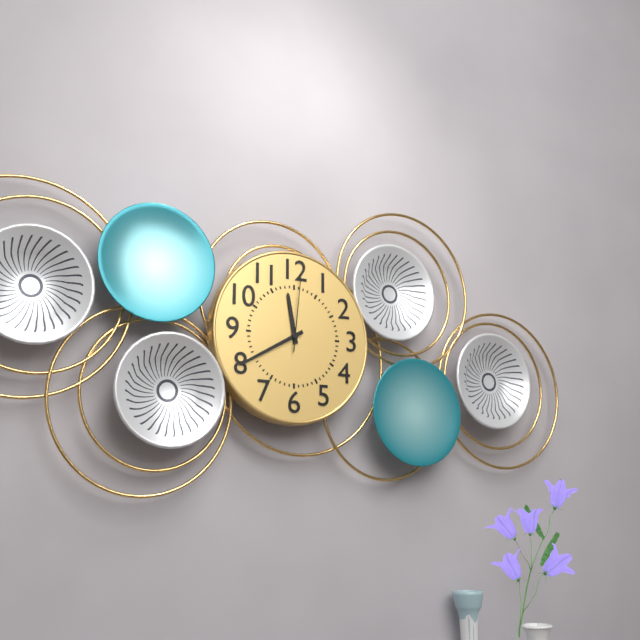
11:40:01
